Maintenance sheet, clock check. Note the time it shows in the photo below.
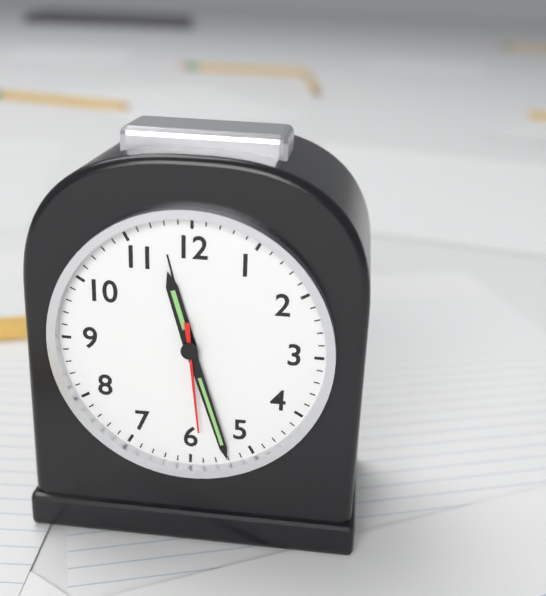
11:27:29
